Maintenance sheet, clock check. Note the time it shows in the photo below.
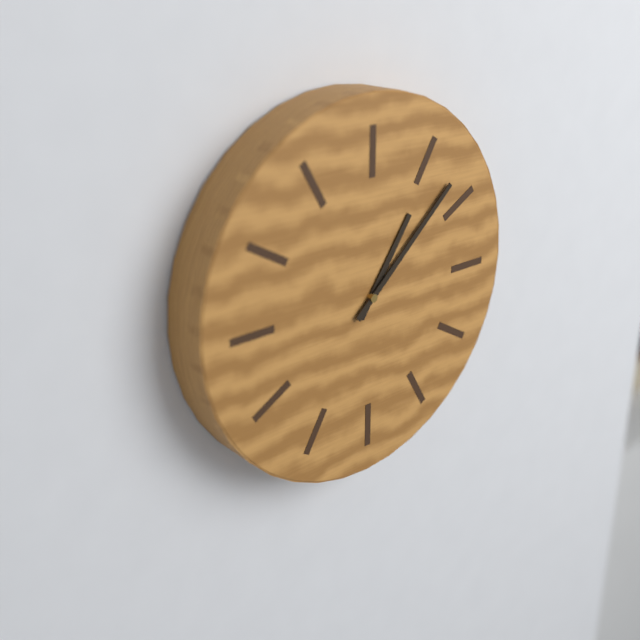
1:08
